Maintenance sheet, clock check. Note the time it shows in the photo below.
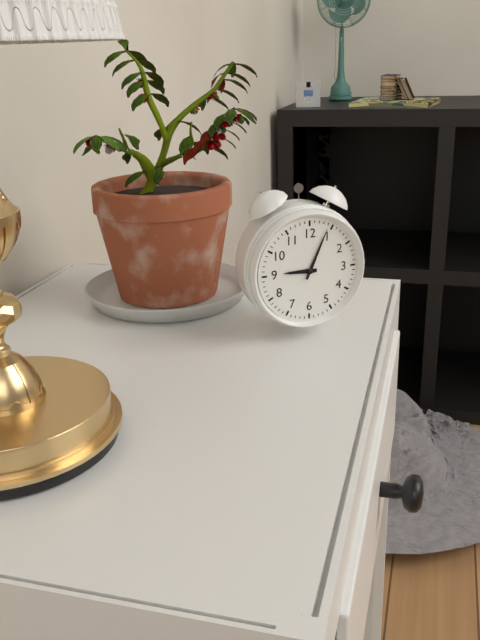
9:04
